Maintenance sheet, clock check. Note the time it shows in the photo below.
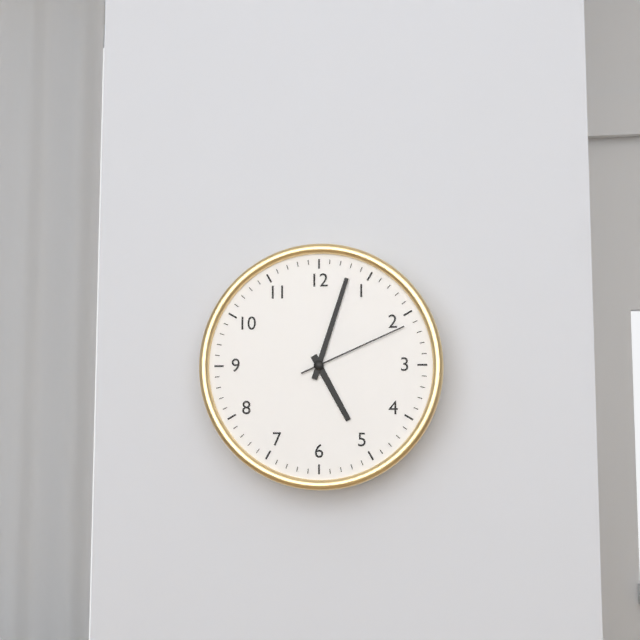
5:03:11
